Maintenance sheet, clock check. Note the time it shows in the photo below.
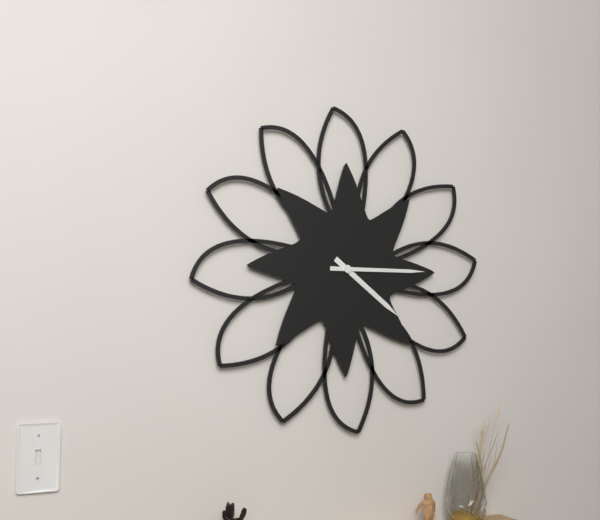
4:15
